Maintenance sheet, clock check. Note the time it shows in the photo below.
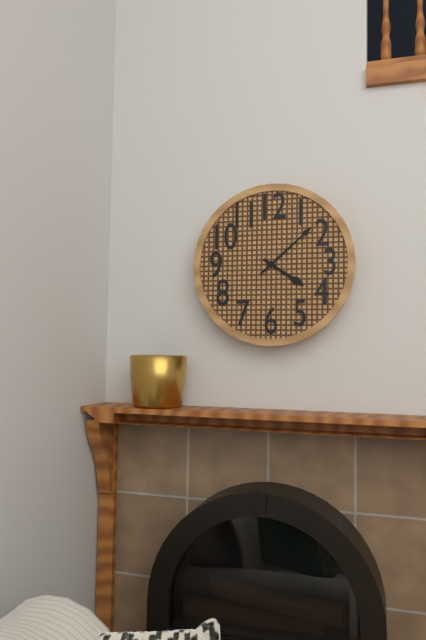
4:08
